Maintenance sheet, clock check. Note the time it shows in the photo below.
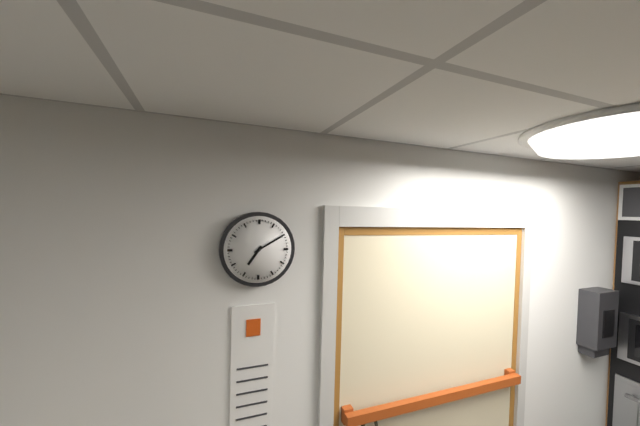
7:10
